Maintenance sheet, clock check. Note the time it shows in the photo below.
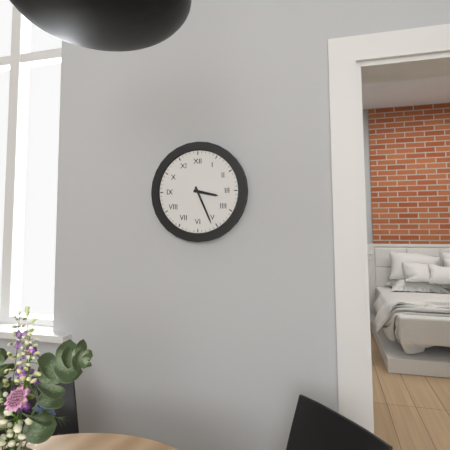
3:26
